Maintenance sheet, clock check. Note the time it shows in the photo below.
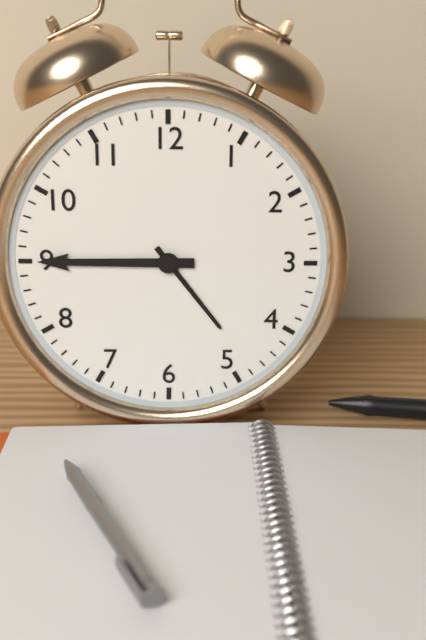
4:45
